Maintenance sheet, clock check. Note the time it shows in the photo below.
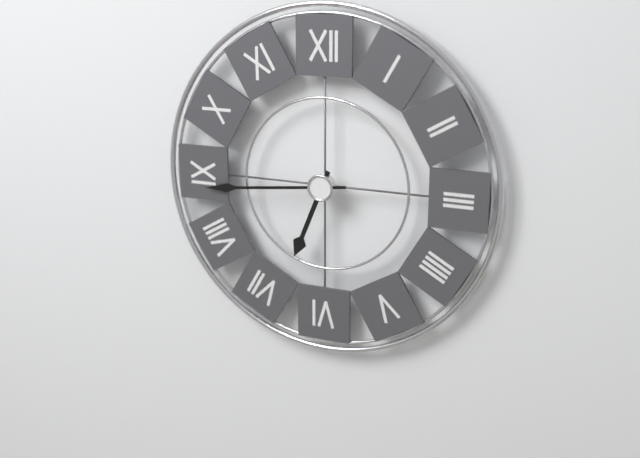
6:44
